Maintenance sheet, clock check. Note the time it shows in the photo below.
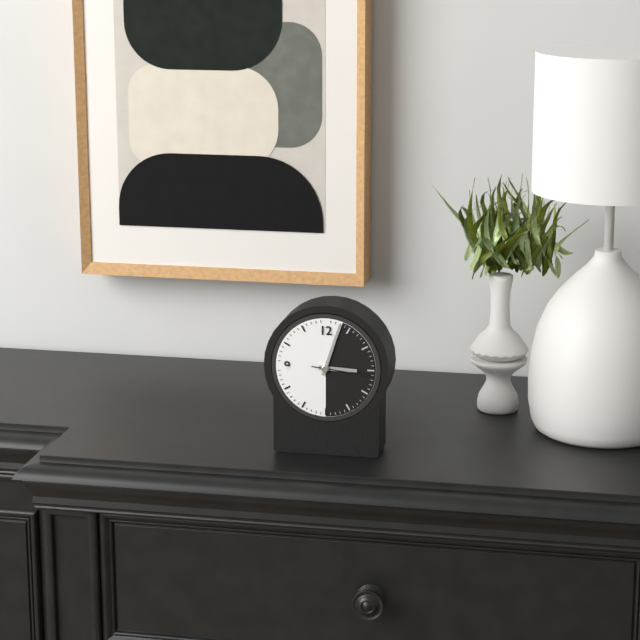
3:03:16
